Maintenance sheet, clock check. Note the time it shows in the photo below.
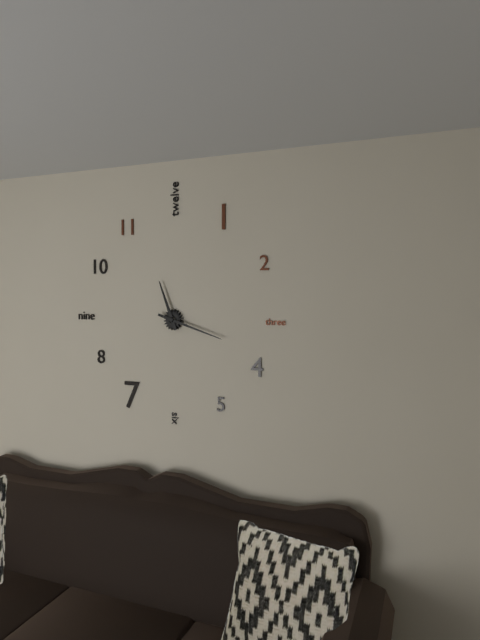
11:18
